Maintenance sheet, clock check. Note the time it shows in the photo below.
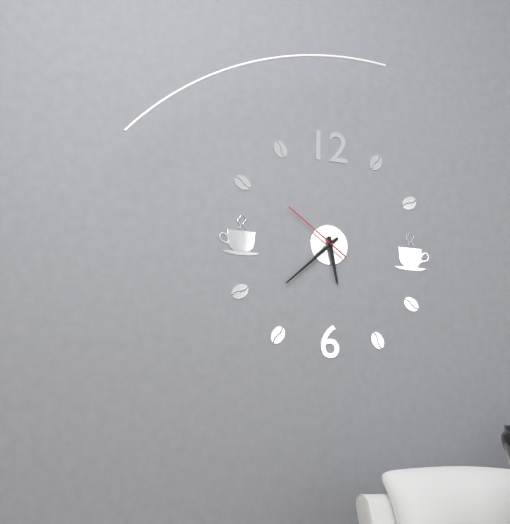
5:38:51
